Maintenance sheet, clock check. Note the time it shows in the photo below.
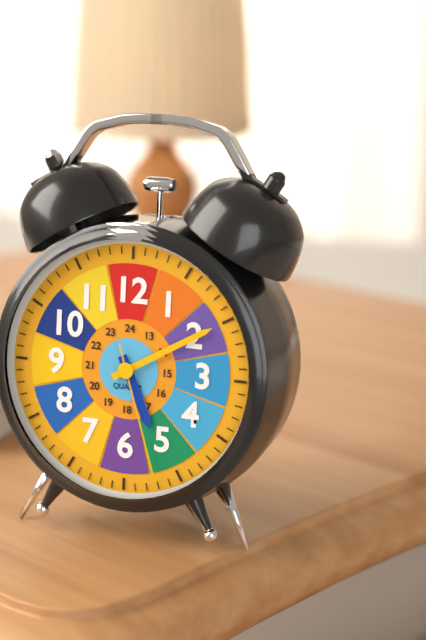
5:10:27
